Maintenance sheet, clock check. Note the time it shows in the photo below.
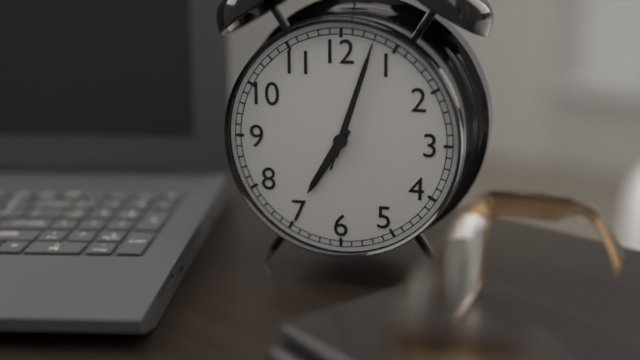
7:03:03
